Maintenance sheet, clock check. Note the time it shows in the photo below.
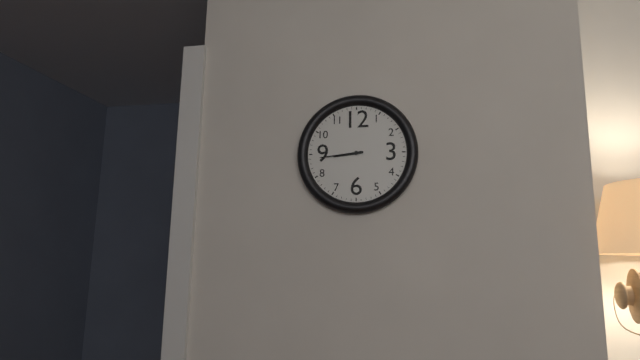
8:44
